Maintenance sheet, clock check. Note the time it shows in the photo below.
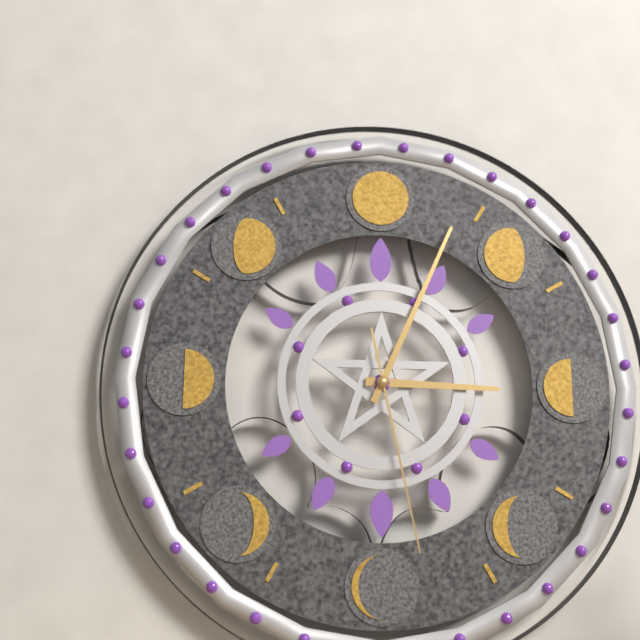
3:04:28
